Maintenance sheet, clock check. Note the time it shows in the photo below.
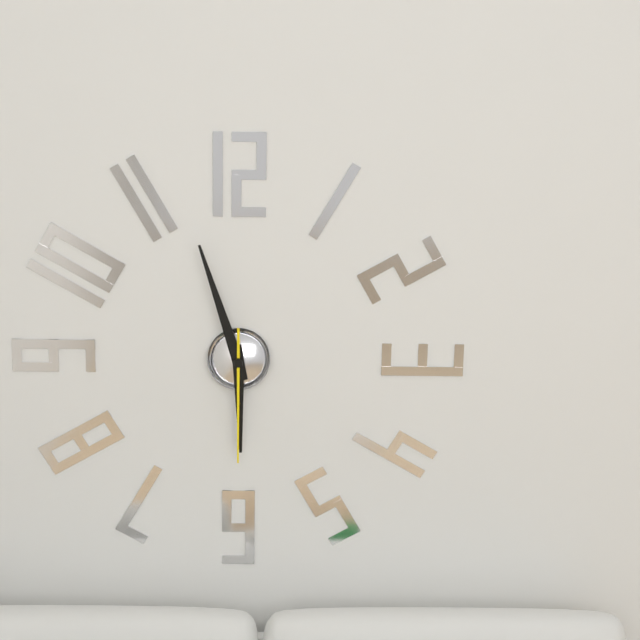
5:57:30
